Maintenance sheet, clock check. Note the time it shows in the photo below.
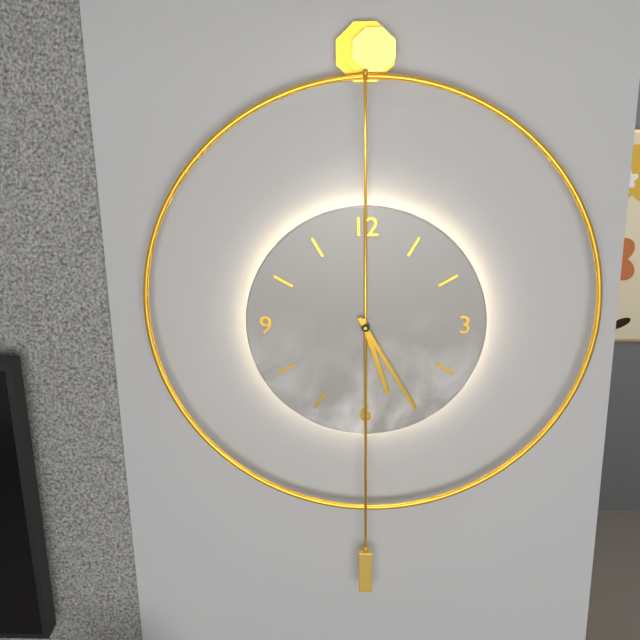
5:25
